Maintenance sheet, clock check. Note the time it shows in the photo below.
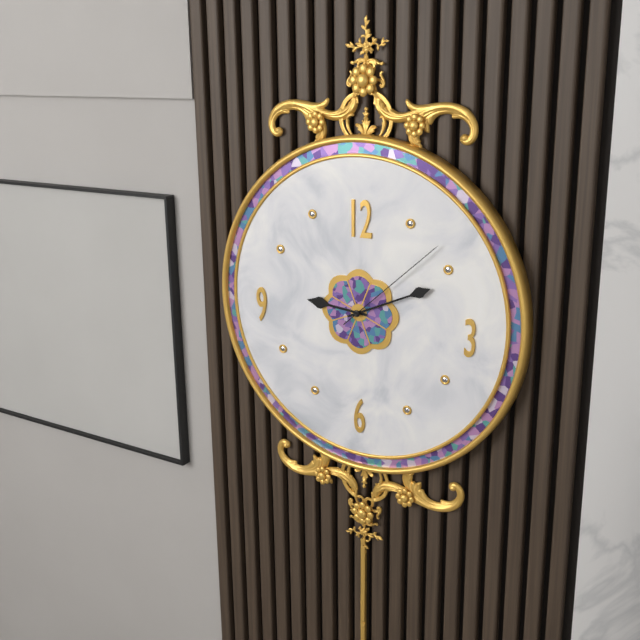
9:11:08
